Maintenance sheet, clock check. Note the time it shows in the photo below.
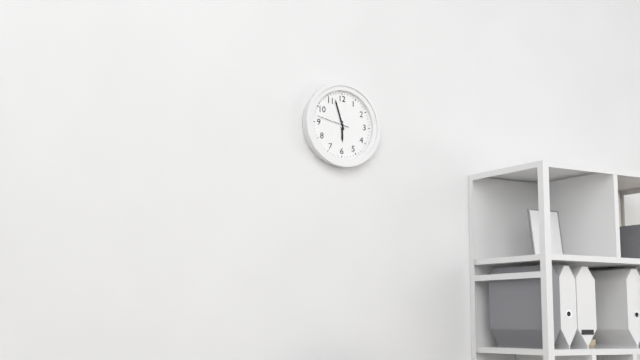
5:57
